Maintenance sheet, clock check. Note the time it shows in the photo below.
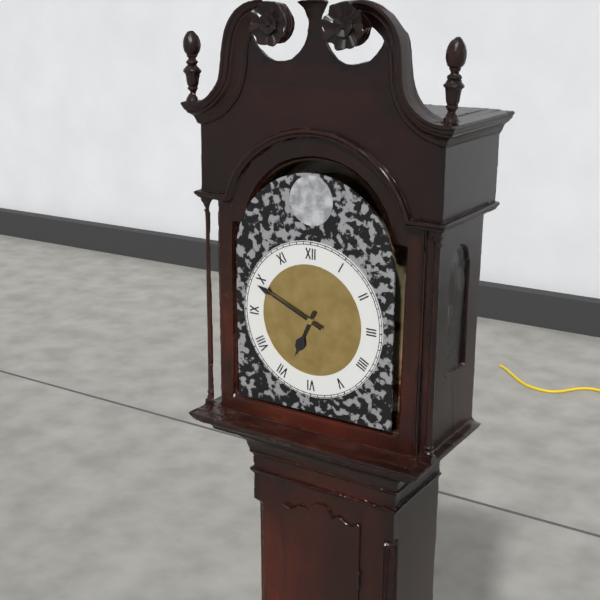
6:49
